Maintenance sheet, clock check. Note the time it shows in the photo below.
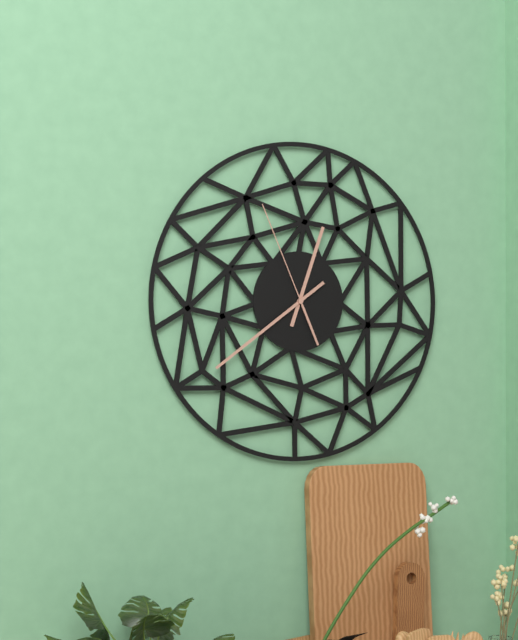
12:39:56
